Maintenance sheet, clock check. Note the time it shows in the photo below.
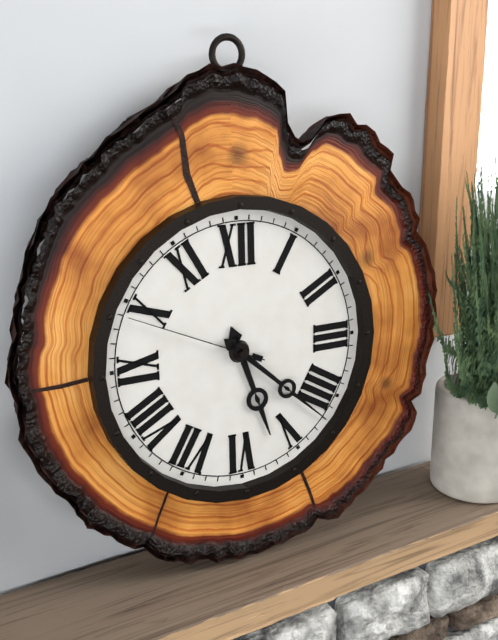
5:22:49
